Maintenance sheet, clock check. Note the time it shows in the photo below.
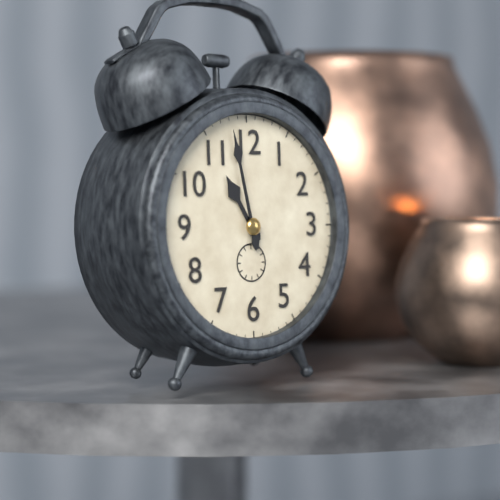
10:58
